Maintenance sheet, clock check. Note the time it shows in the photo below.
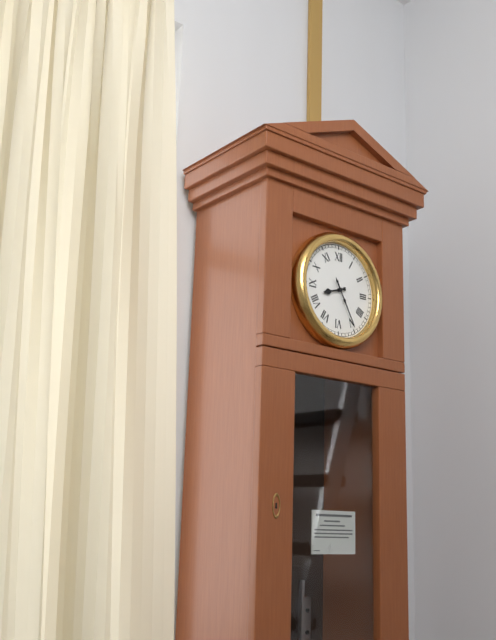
8:25
